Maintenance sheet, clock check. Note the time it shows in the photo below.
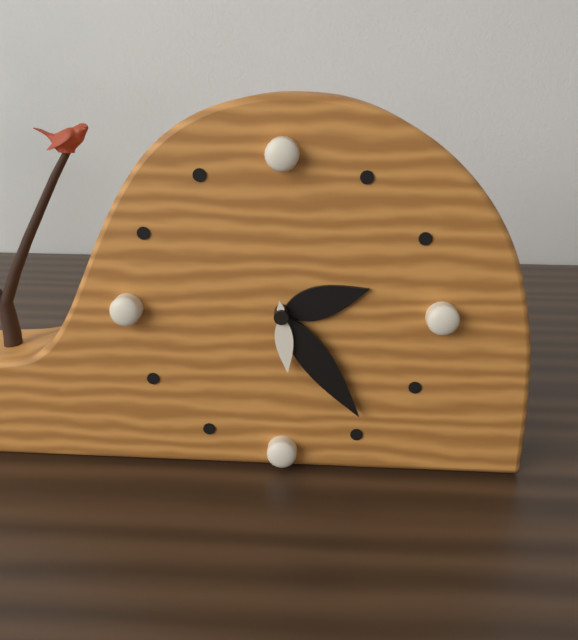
2:24:29
